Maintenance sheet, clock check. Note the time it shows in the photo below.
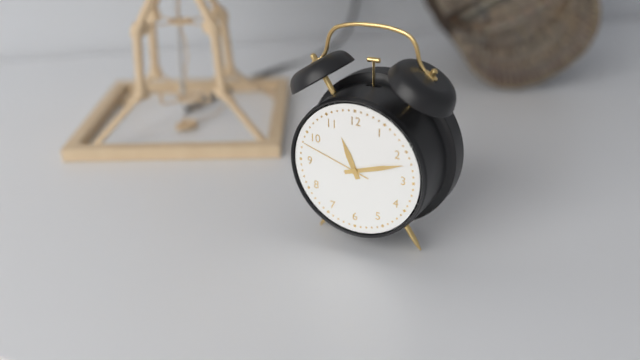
11:12:48
